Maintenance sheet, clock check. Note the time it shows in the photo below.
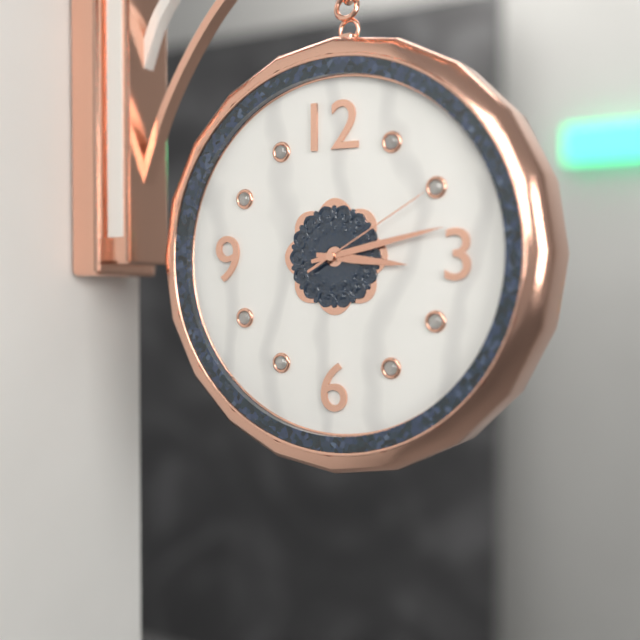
3:13:10
